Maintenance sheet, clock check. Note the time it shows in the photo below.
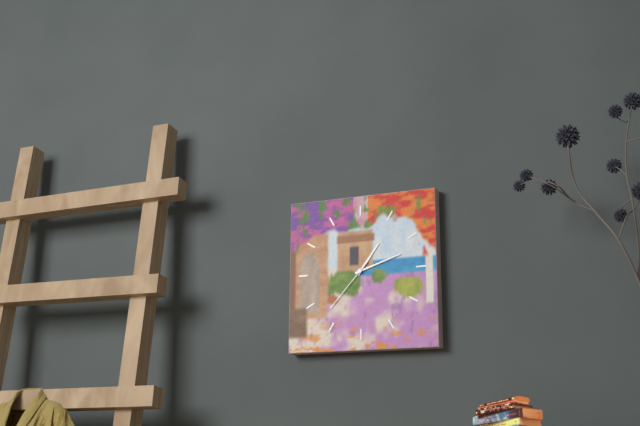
1:12:37
